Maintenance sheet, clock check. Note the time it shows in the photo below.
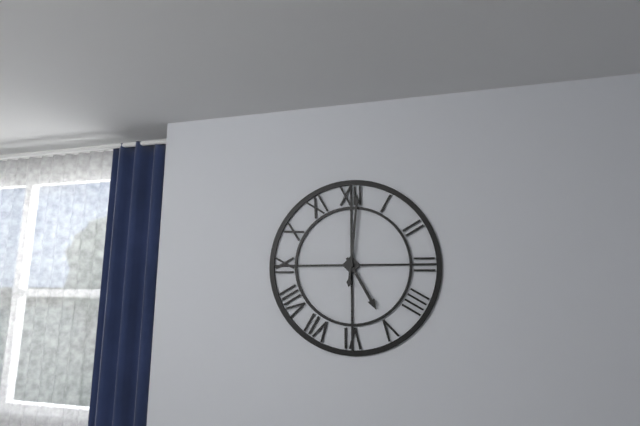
5:01
